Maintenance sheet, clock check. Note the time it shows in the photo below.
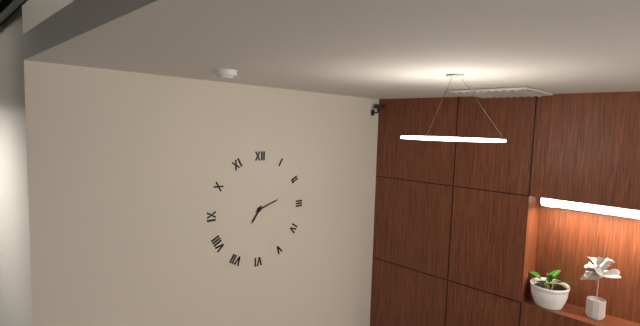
7:12
